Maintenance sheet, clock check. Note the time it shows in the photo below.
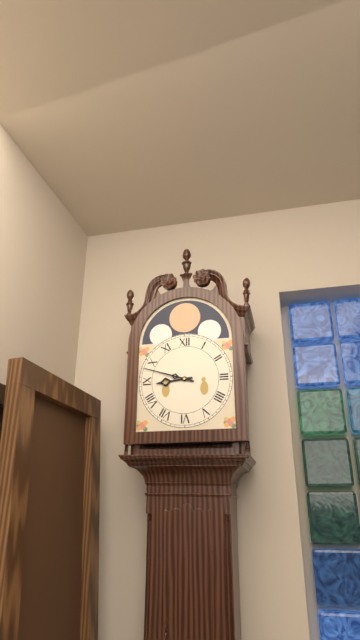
8:48
